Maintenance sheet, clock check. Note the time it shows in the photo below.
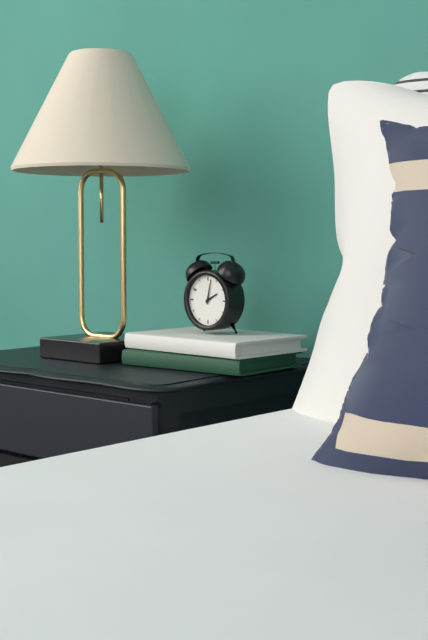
2:02
